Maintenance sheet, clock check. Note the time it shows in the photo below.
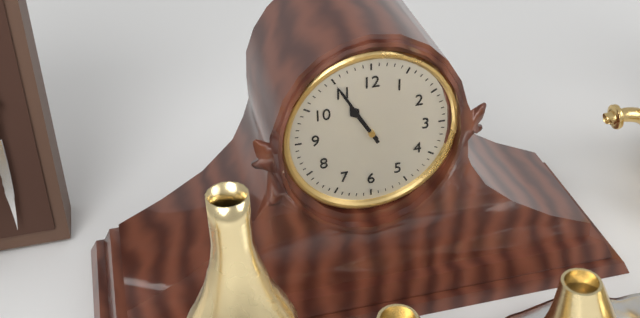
10:55
